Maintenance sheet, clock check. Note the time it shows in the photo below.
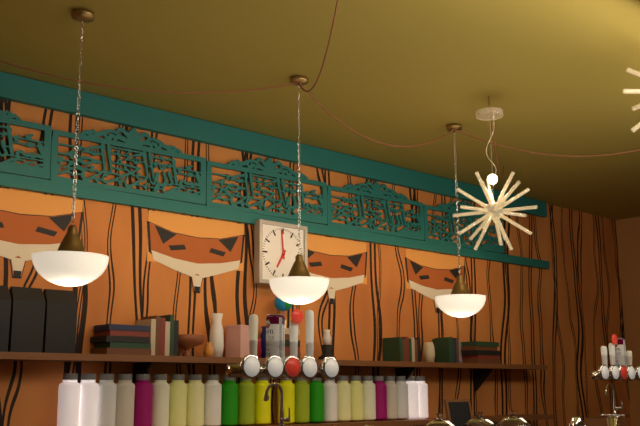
6:59
